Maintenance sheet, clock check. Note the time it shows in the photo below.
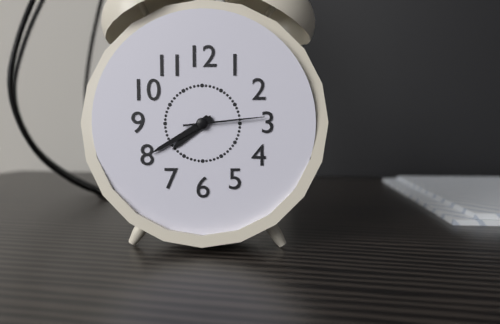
7:40:14
